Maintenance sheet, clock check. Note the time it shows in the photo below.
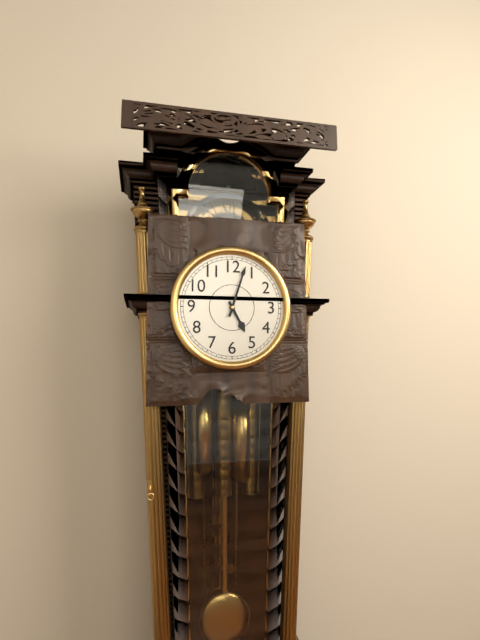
5:03
